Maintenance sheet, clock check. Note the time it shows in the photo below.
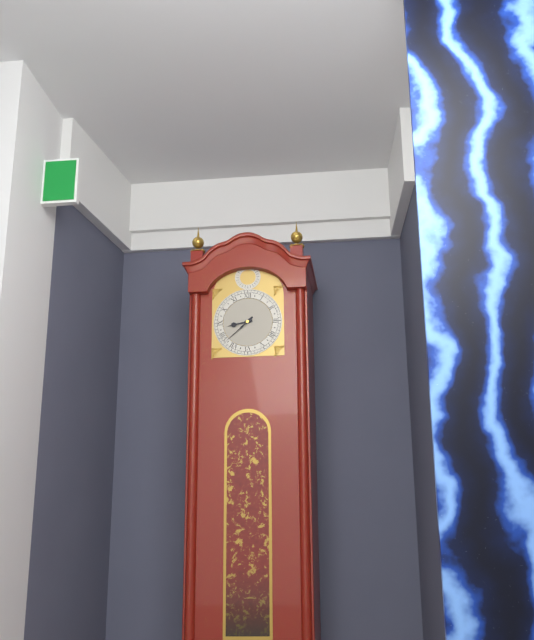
8:38
